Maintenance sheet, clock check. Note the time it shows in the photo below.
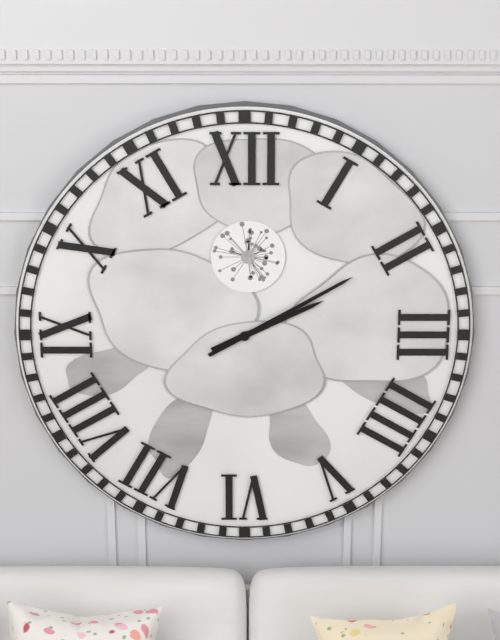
2:10
